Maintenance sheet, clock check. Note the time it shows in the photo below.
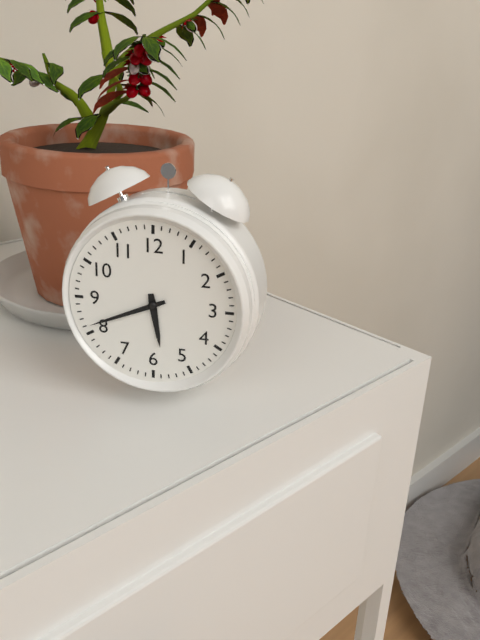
5:41
